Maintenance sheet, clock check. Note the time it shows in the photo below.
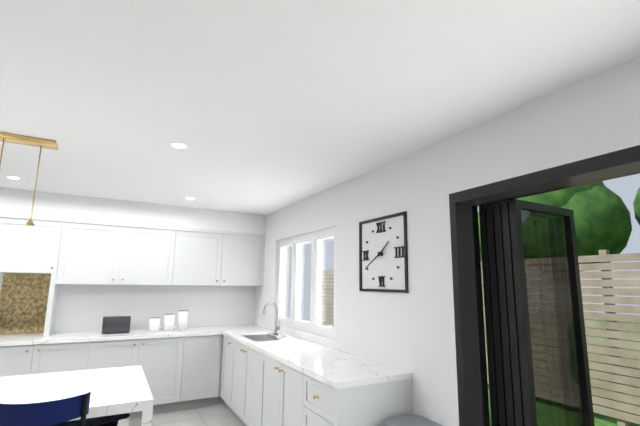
1:40
